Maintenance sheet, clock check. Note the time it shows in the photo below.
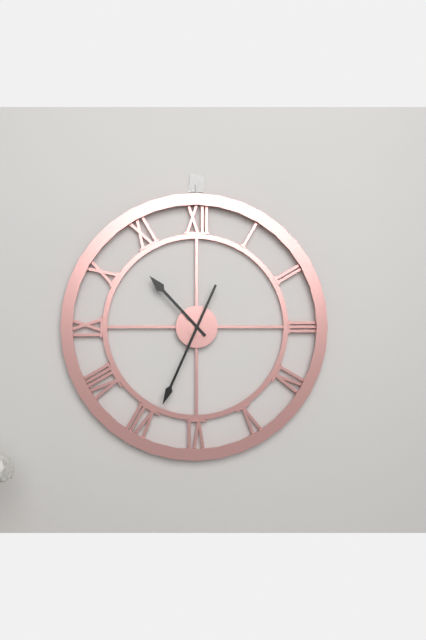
10:34
